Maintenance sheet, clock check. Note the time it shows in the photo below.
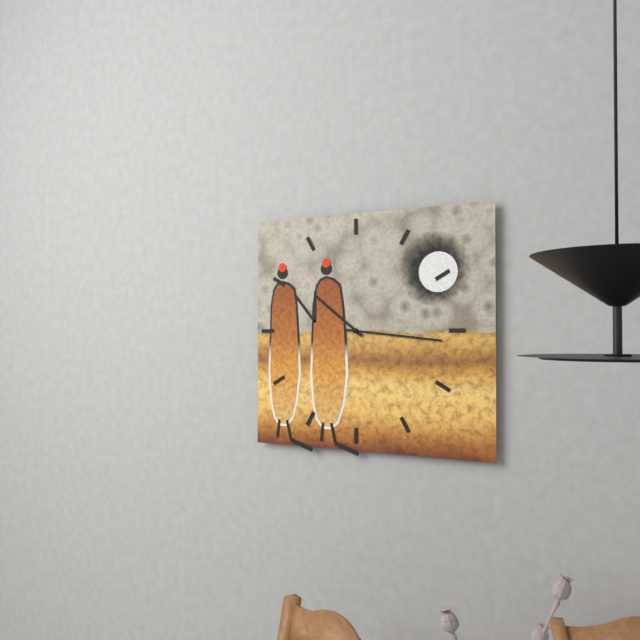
10:16
